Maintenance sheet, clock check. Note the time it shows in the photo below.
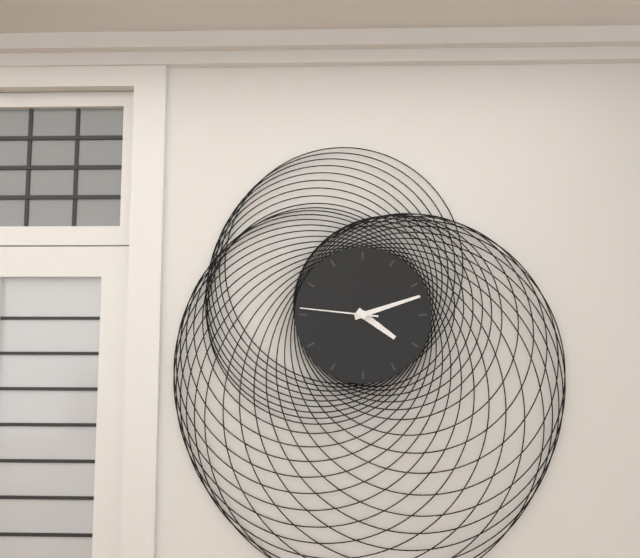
4:12:46
